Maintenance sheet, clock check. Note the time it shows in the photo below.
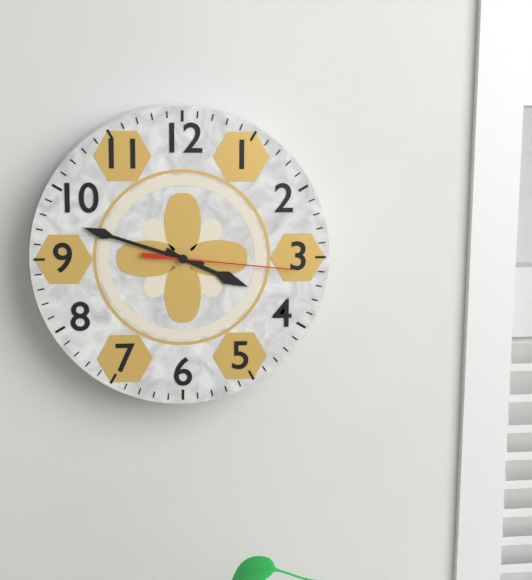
3:48:16
